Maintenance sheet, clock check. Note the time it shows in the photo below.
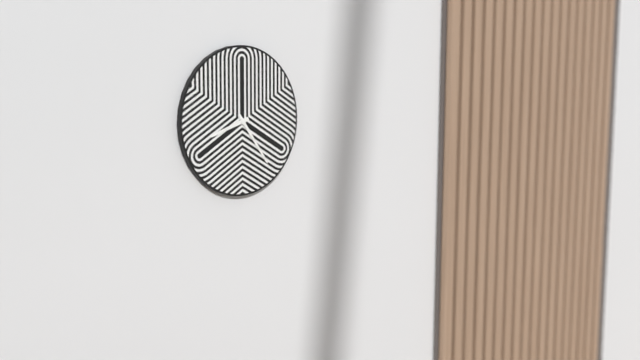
8:24
